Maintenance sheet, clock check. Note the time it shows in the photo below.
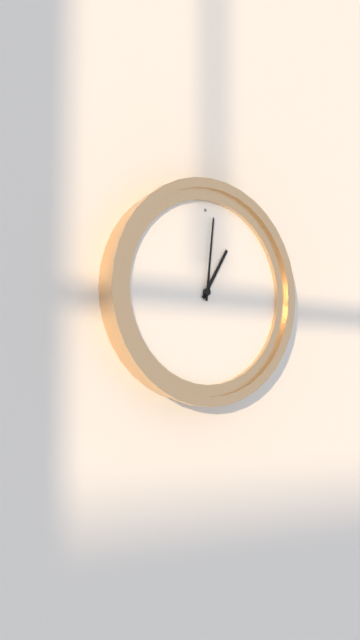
1:01
